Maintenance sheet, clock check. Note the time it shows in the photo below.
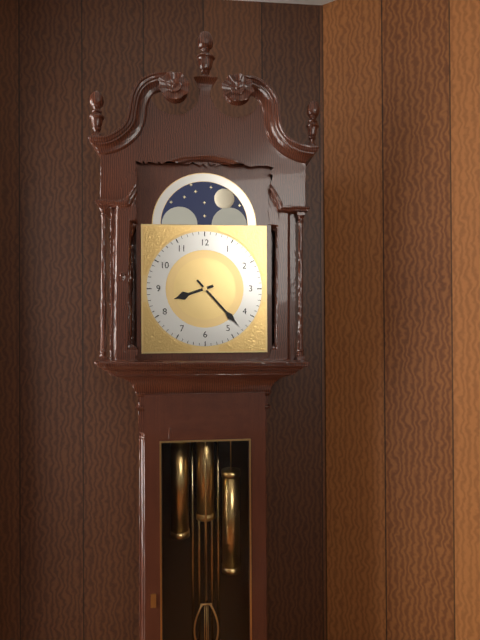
8:23
